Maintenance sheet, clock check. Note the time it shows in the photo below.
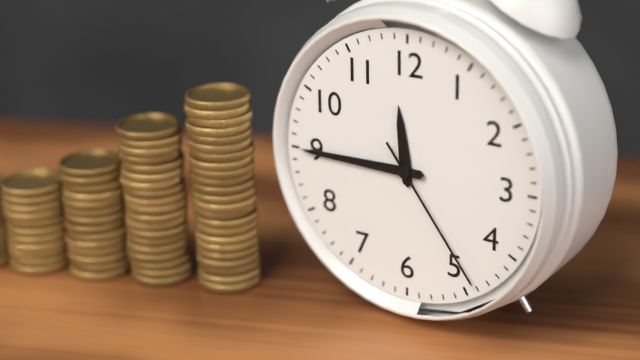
11:45:24
